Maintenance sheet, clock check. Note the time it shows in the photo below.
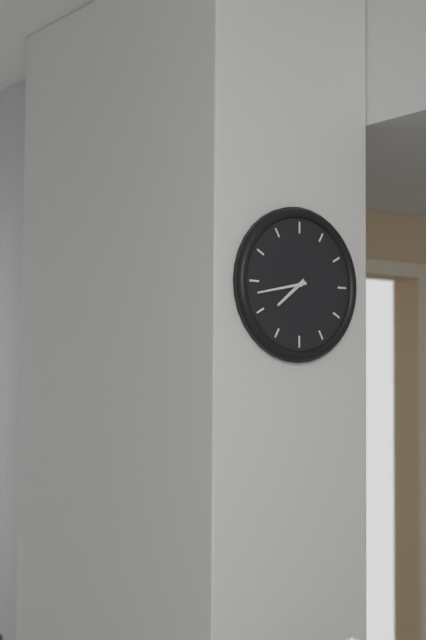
7:43
